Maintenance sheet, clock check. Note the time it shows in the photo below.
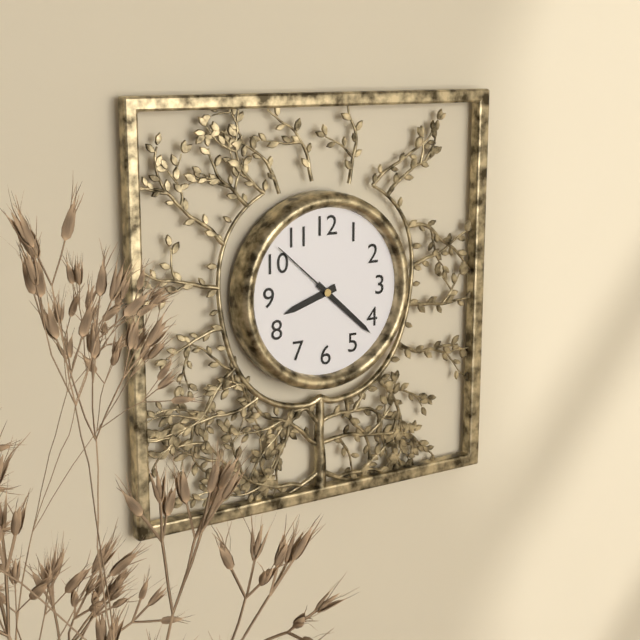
8:22:52
